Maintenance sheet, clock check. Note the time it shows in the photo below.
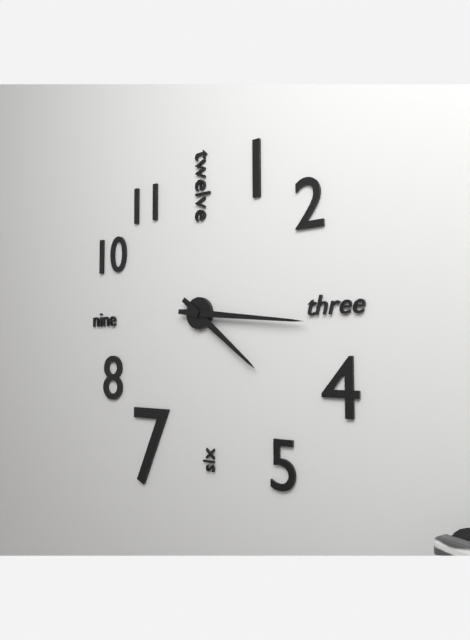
4:16
